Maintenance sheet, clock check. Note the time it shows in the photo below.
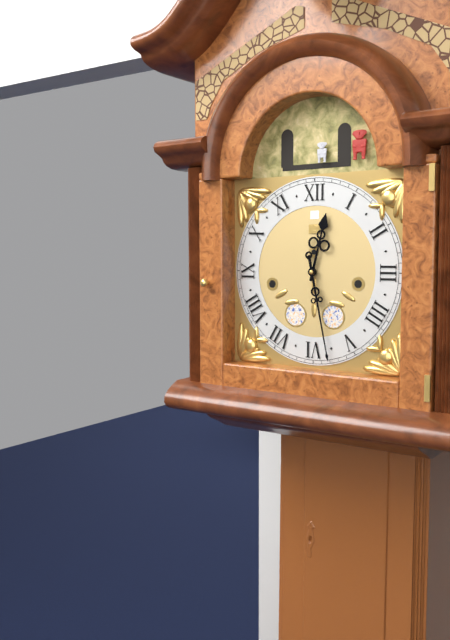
12:28
